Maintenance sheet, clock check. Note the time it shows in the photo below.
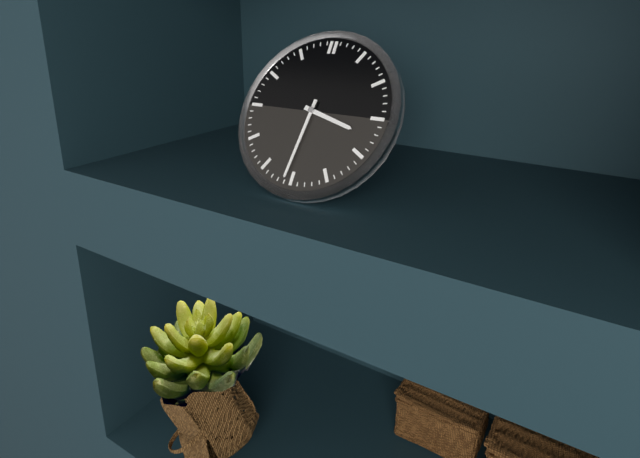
3:31
